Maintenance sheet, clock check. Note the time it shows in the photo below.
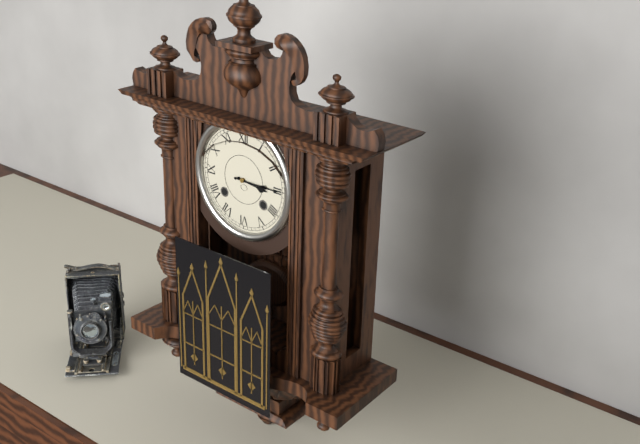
3:15
